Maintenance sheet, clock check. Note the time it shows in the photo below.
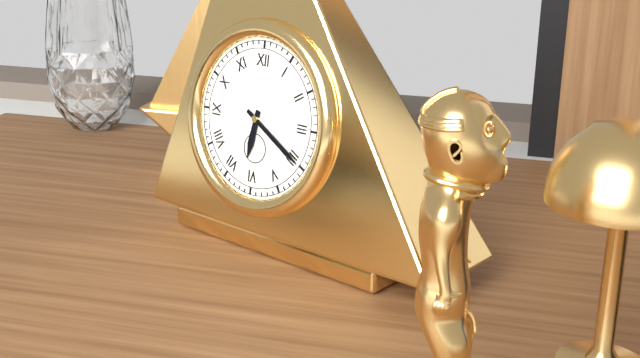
6:20
